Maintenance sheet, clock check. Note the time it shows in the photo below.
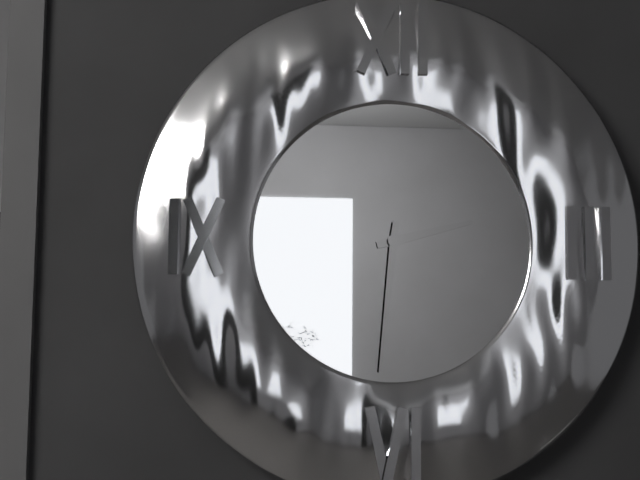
2:31
